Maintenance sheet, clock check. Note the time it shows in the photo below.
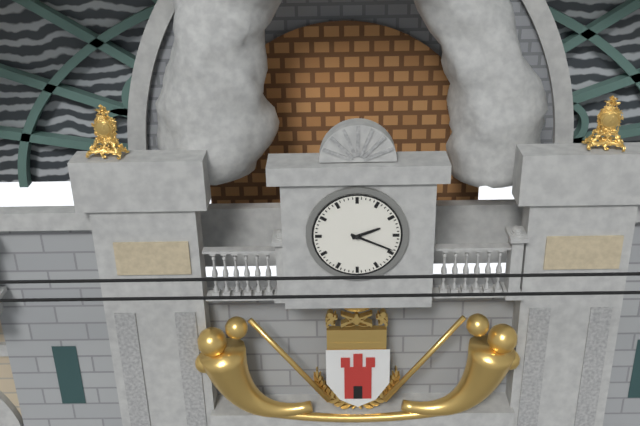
2:19
